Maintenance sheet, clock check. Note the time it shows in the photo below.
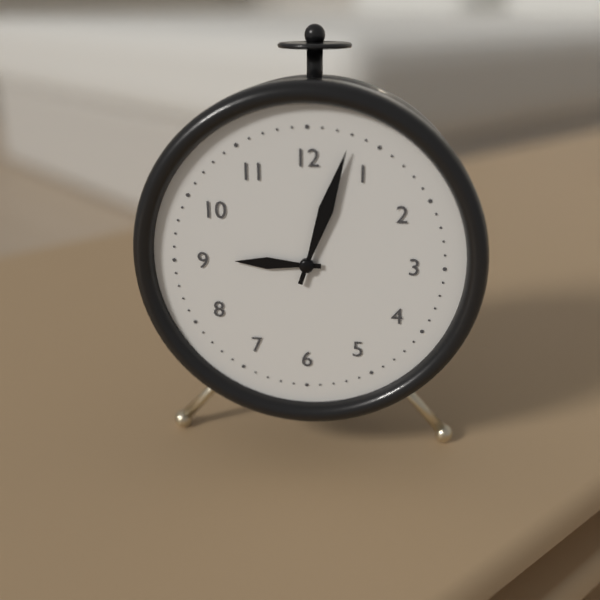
9:03
